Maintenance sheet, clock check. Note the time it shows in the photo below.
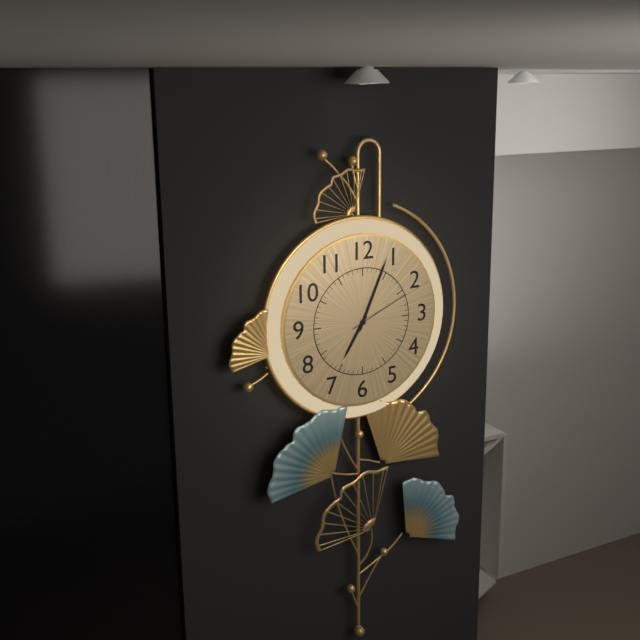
7:04:11
